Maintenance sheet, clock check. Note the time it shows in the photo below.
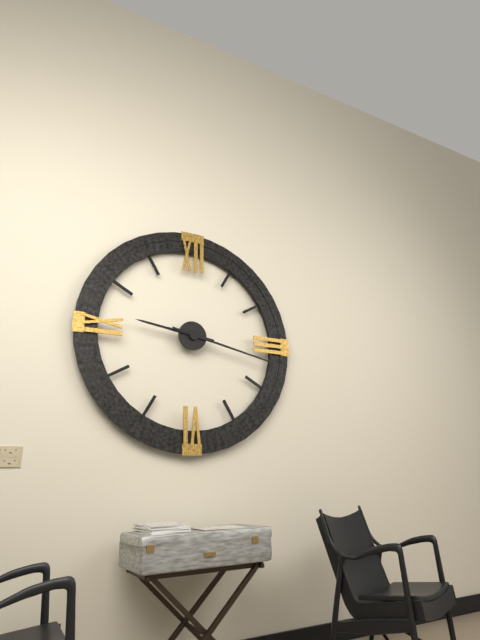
9:17
